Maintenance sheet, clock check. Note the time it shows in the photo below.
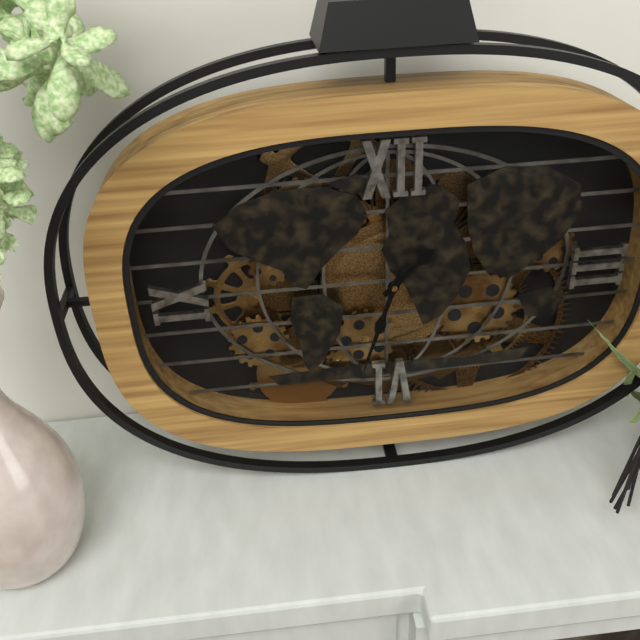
1:33
